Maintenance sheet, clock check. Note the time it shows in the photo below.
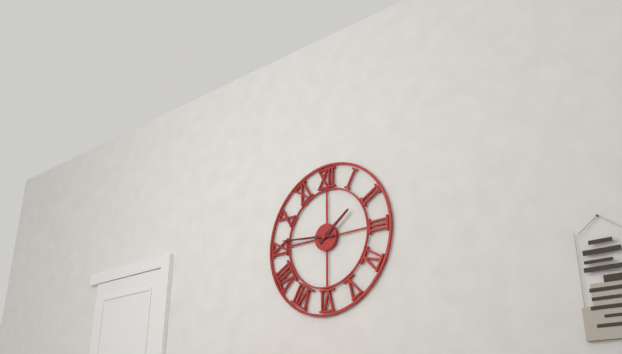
1:46
